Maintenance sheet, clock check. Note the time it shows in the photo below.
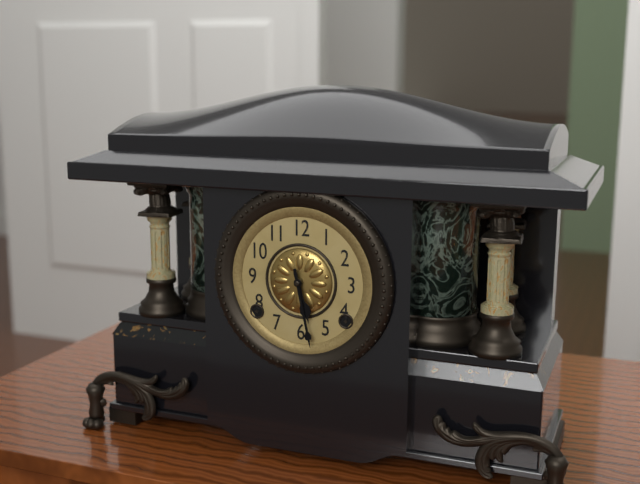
5:28
